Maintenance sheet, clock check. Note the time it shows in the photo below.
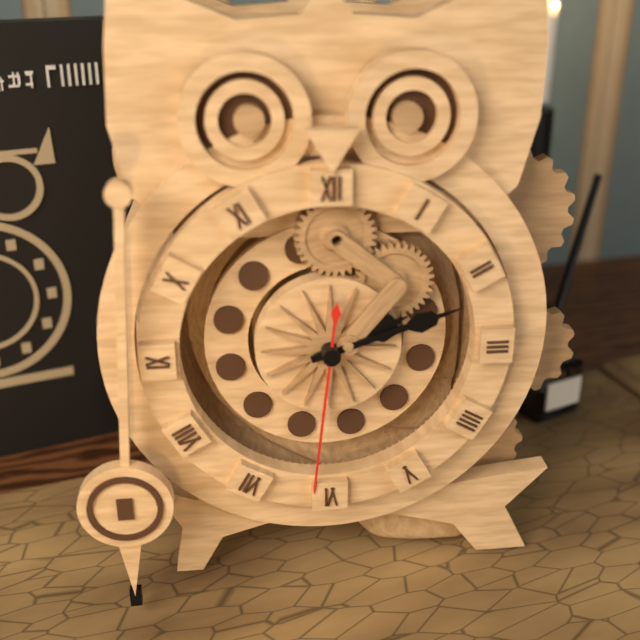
2:12:31
